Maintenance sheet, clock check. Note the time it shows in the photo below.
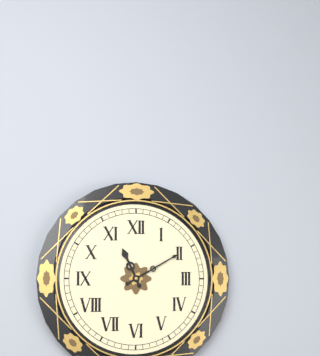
11:10
